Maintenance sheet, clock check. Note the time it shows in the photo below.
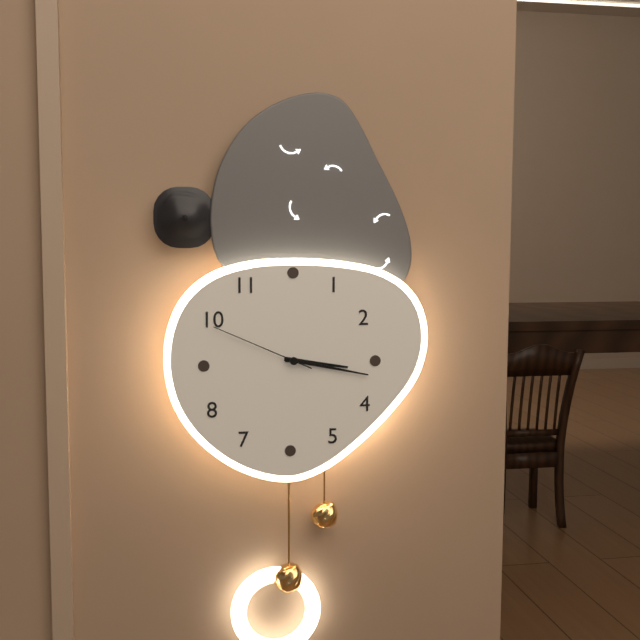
3:17:49
